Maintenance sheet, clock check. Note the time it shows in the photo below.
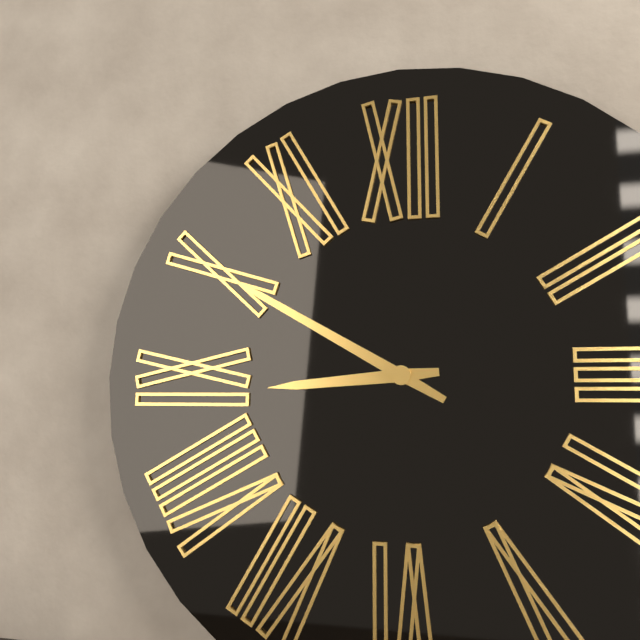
8:50
